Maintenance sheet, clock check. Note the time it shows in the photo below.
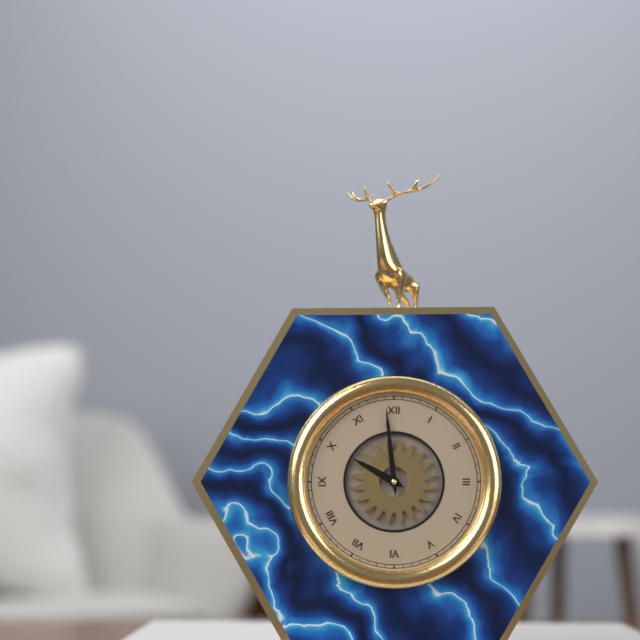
9:59
